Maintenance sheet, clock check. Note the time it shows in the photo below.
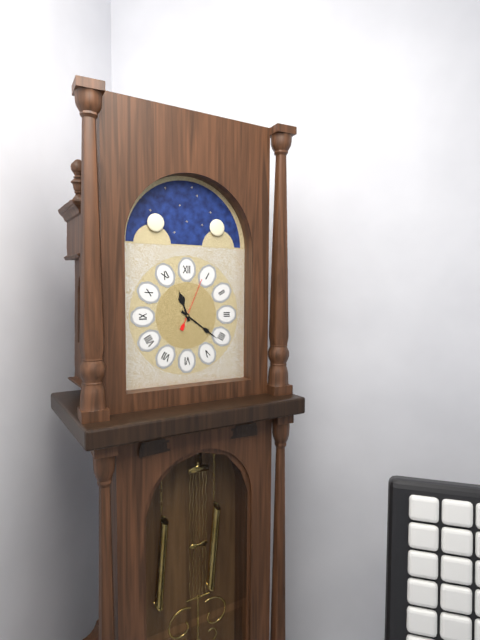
11:21
